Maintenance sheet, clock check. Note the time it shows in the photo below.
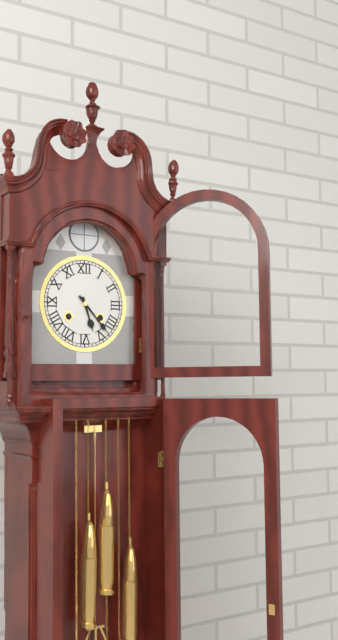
5:23
